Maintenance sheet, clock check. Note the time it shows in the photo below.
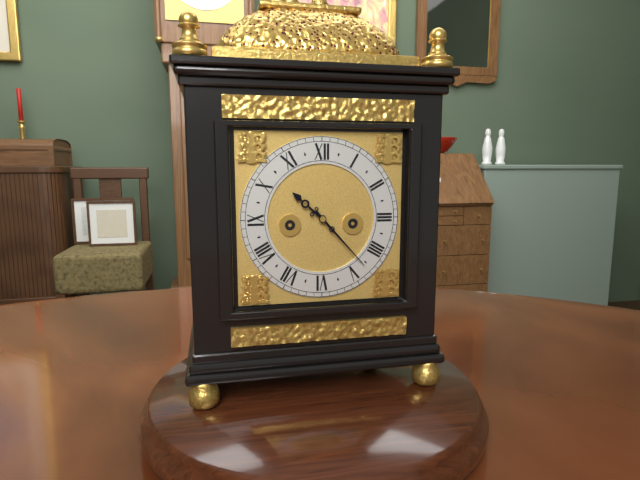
10:23
